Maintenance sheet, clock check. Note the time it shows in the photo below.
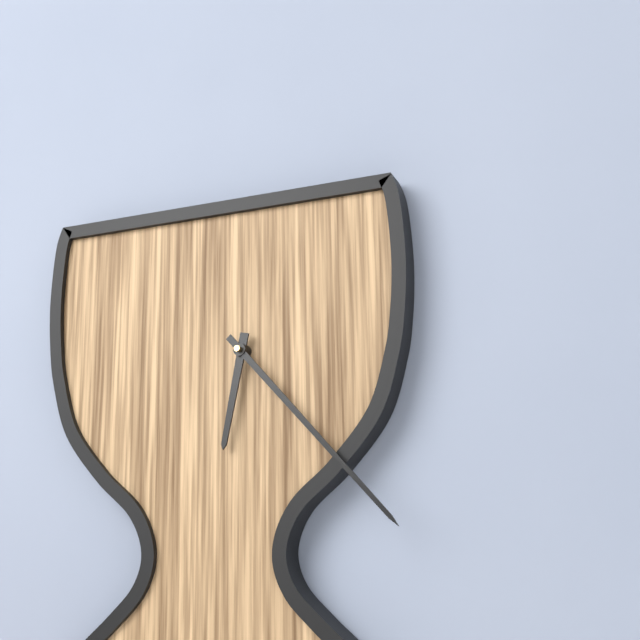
6:23
